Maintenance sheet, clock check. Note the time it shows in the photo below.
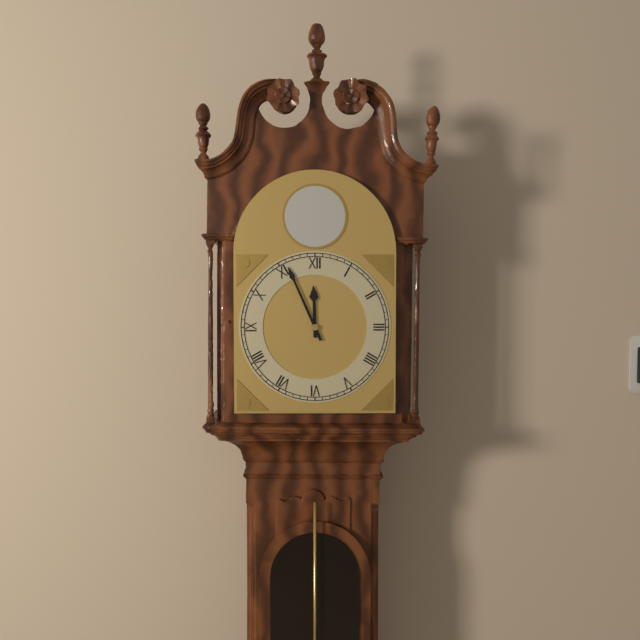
11:56
